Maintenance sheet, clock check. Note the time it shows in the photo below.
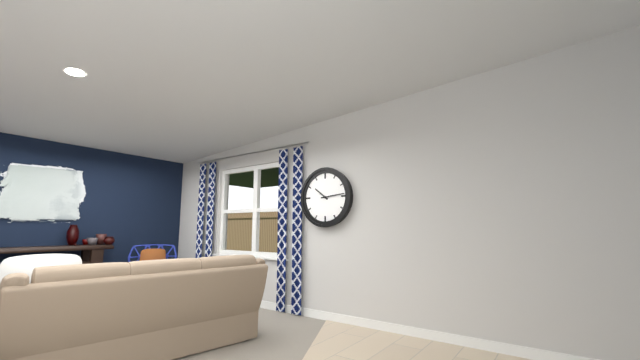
10:14
